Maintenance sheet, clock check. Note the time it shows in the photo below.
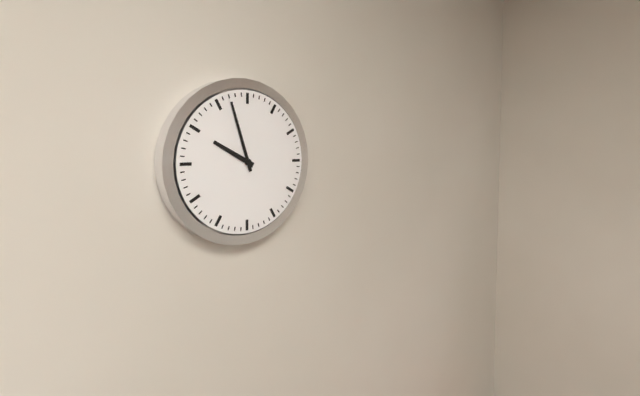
9:57
